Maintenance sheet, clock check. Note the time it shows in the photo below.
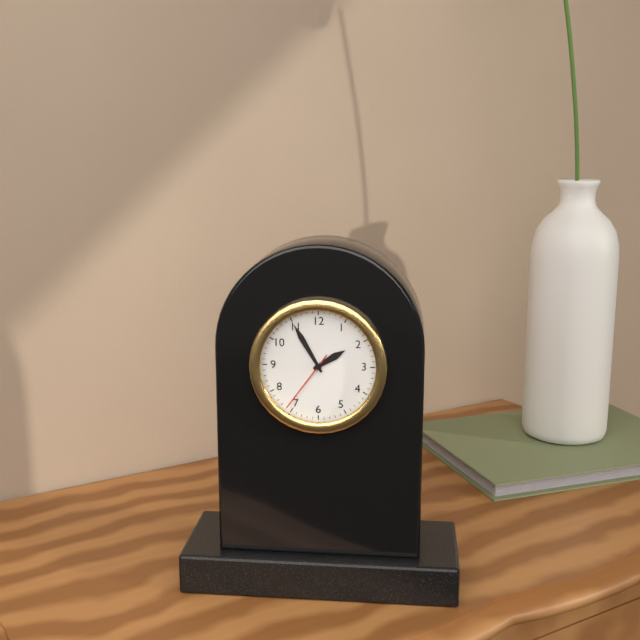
1:55:36
